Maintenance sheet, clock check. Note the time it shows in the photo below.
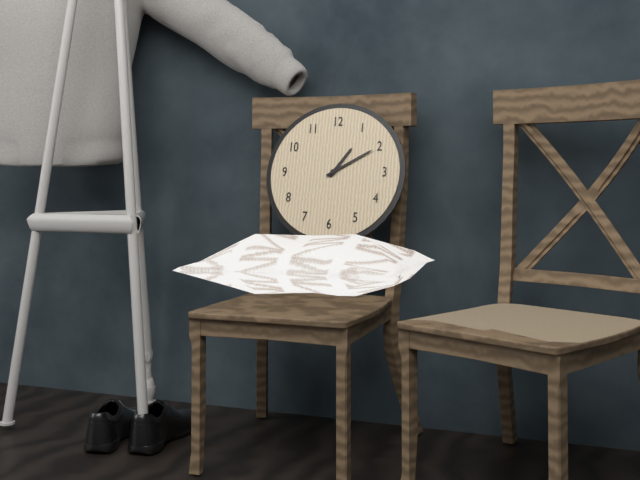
1:10
